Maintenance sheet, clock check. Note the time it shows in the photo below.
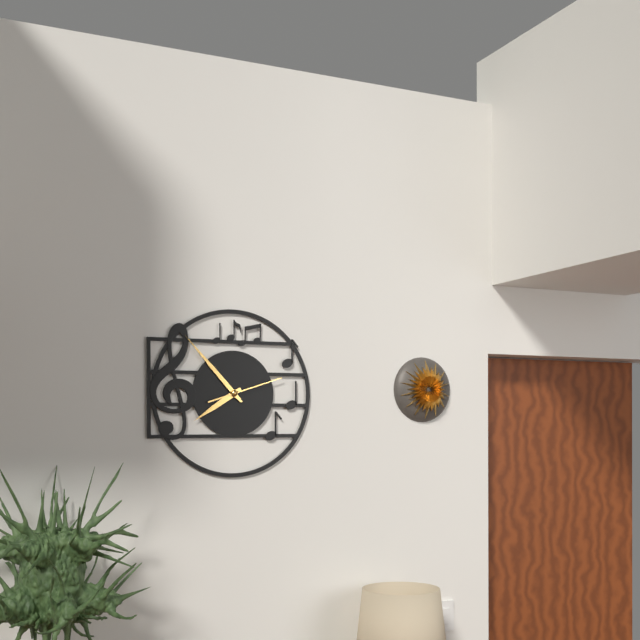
7:53:12
